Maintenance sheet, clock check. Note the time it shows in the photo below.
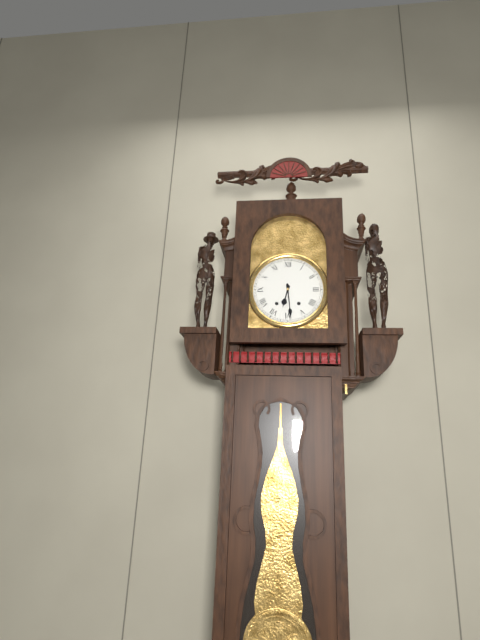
6:29
